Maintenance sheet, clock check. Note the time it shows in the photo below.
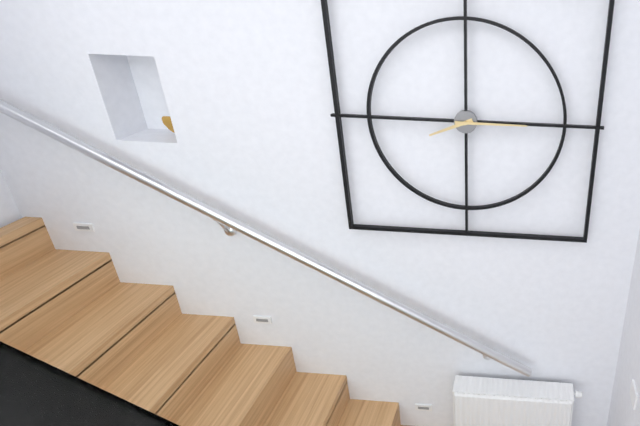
8:15
